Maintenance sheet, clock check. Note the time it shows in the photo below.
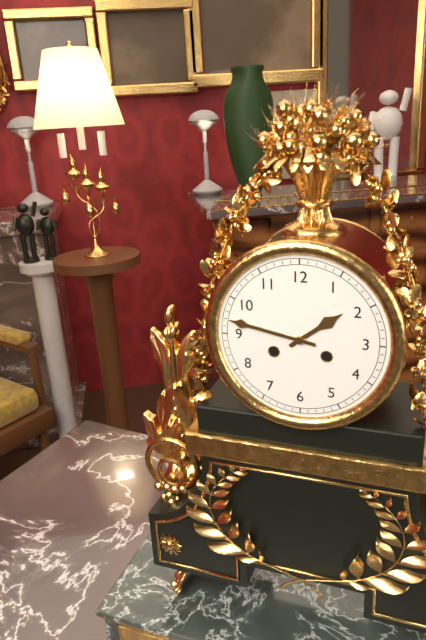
1:47
